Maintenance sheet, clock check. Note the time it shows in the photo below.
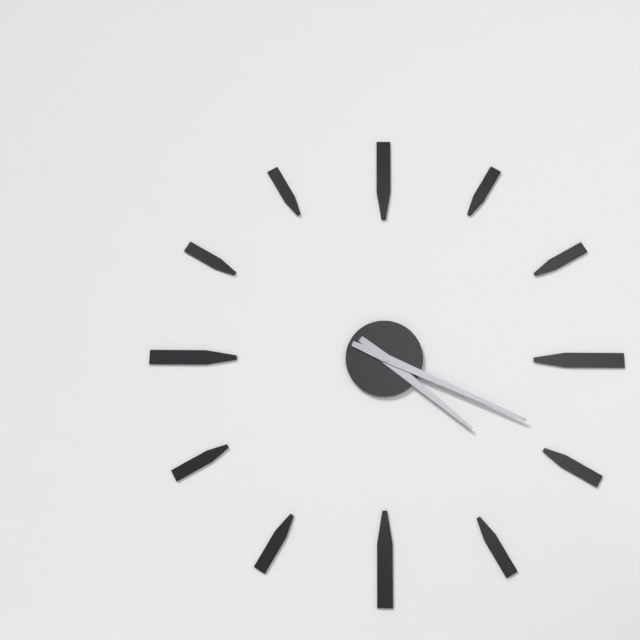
4:19
